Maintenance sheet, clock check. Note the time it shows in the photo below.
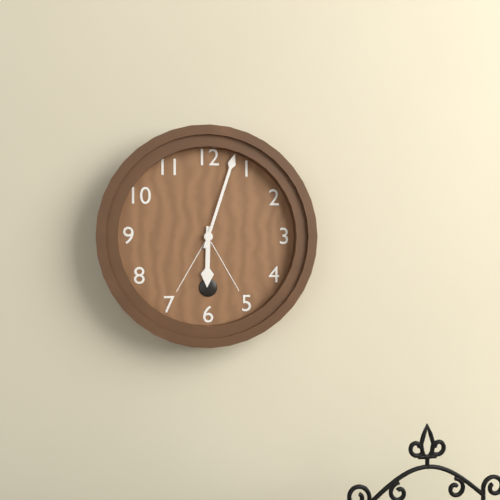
6:03
